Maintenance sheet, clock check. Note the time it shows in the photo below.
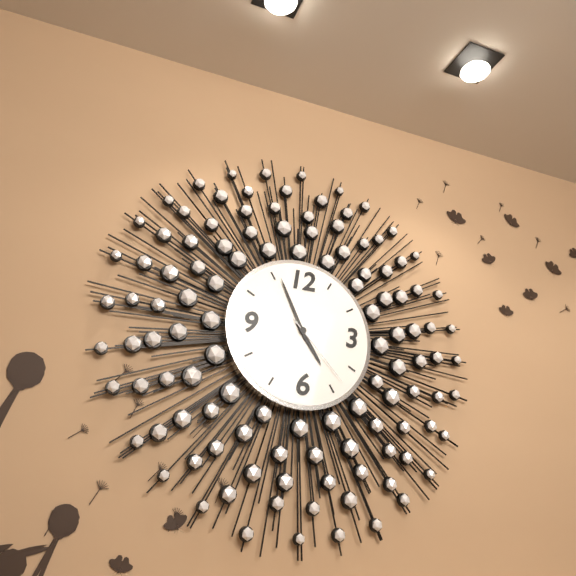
4:56:23
